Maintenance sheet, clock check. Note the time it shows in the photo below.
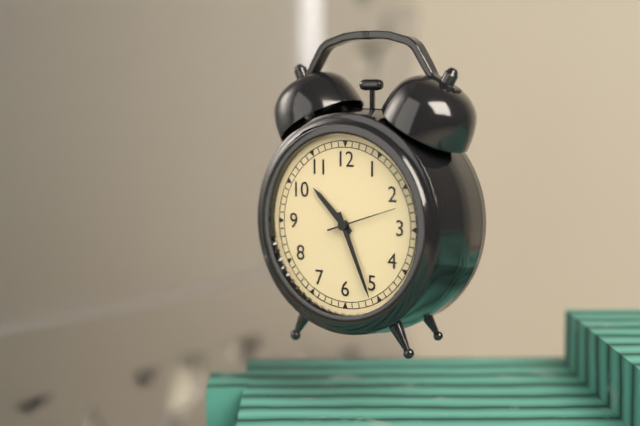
10:26:12
